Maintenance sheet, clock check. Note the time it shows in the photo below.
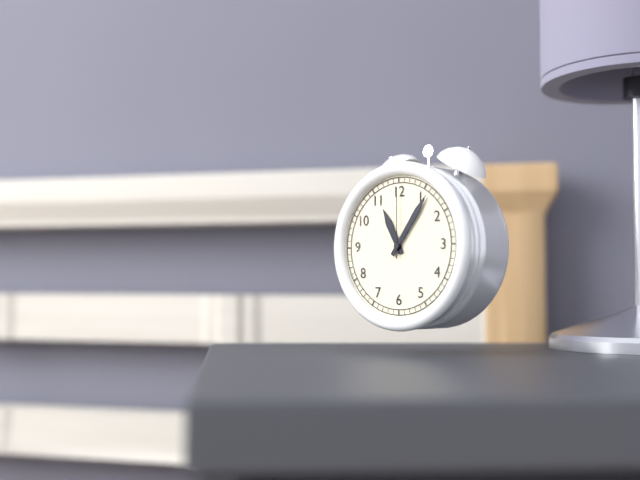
11:06:00
